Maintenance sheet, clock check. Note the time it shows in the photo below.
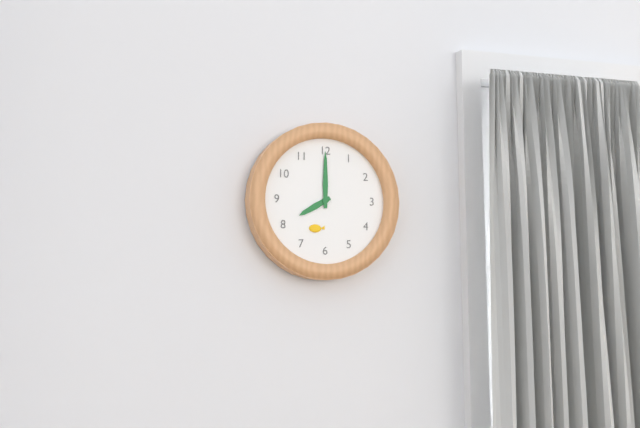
8:00
